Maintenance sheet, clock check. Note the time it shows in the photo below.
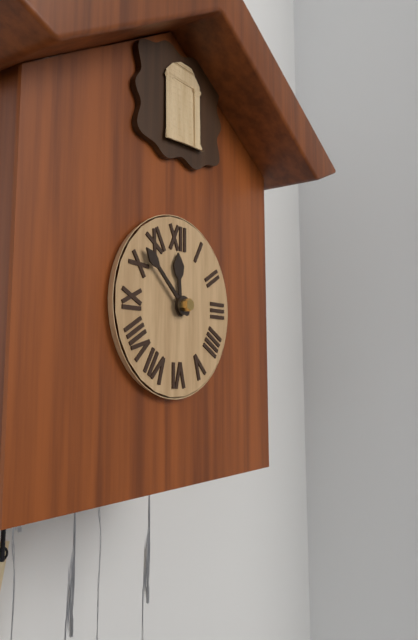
11:52
